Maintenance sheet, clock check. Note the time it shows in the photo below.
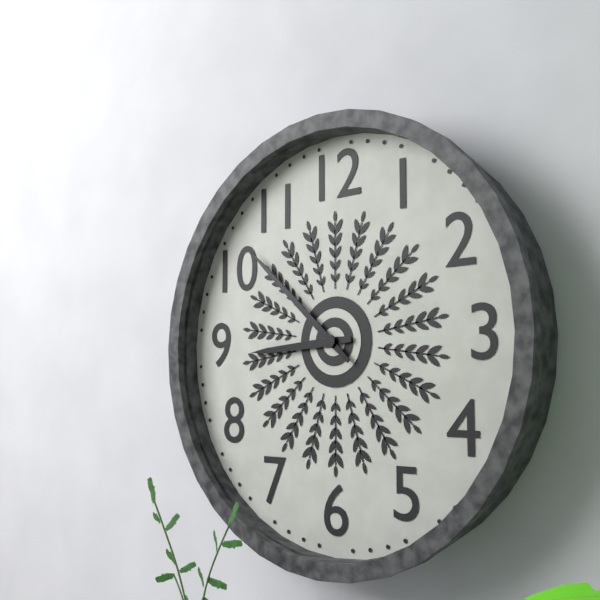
8:52
